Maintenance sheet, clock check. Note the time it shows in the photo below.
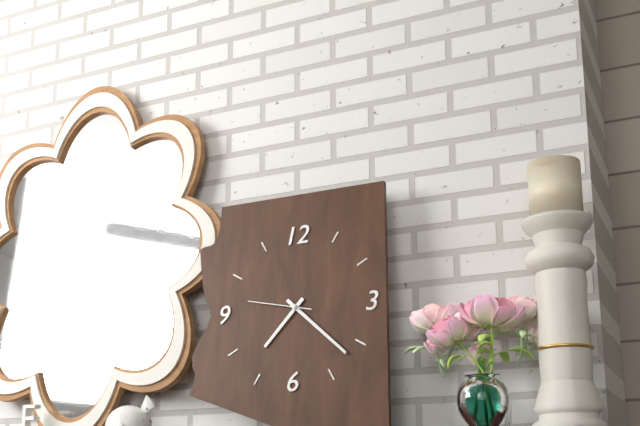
7:22:47
